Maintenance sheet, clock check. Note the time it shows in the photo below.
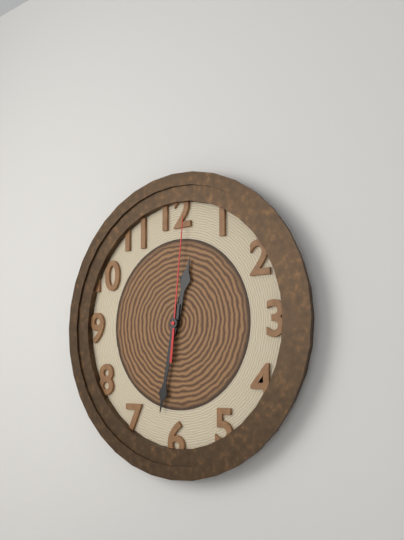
12:32:01
